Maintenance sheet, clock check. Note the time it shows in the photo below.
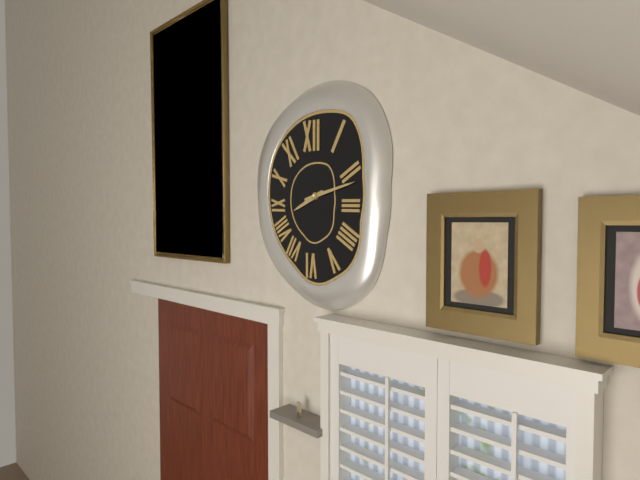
8:13
